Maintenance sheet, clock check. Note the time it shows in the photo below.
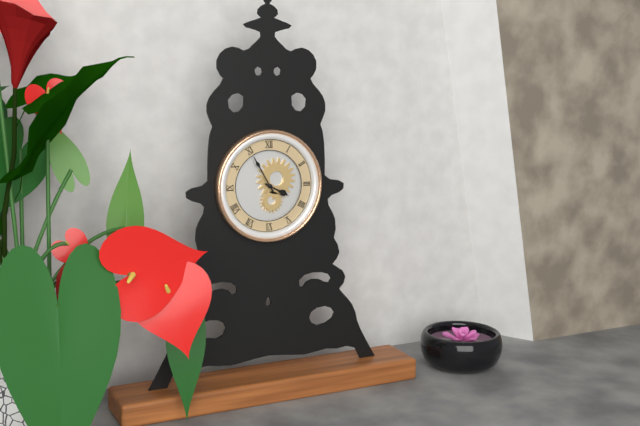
3:55
